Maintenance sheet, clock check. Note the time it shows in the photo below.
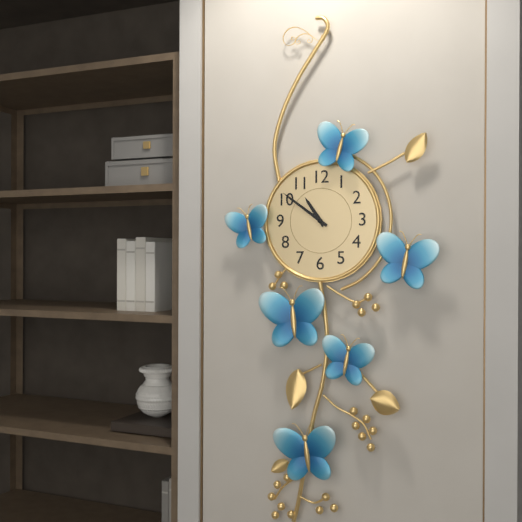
10:51
